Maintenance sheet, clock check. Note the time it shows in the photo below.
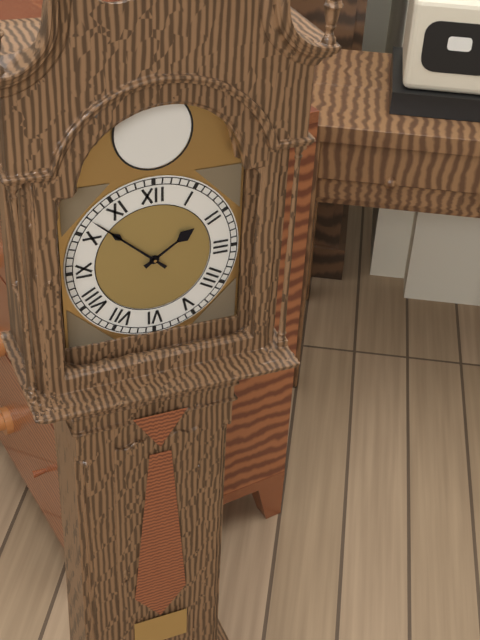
1:52
